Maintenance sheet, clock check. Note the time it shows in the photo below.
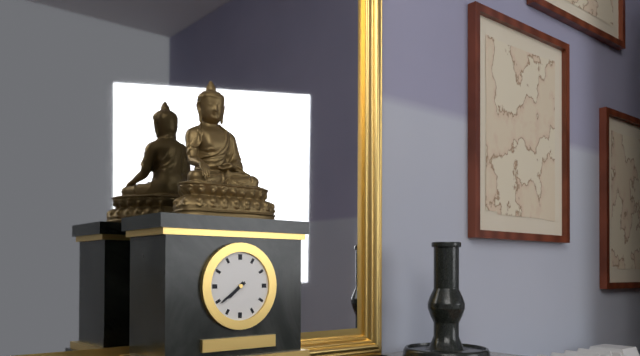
7:39
